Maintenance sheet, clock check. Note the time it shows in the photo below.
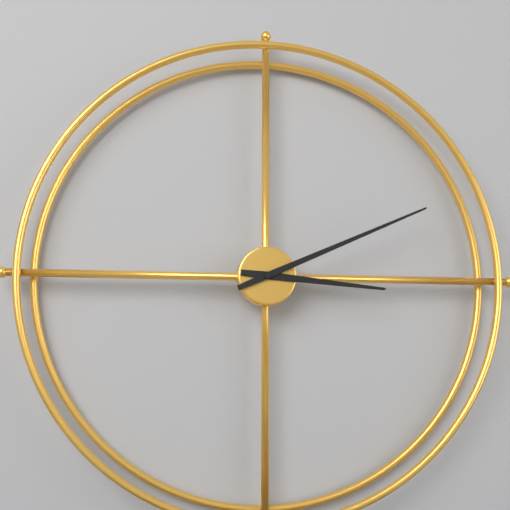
3:11
